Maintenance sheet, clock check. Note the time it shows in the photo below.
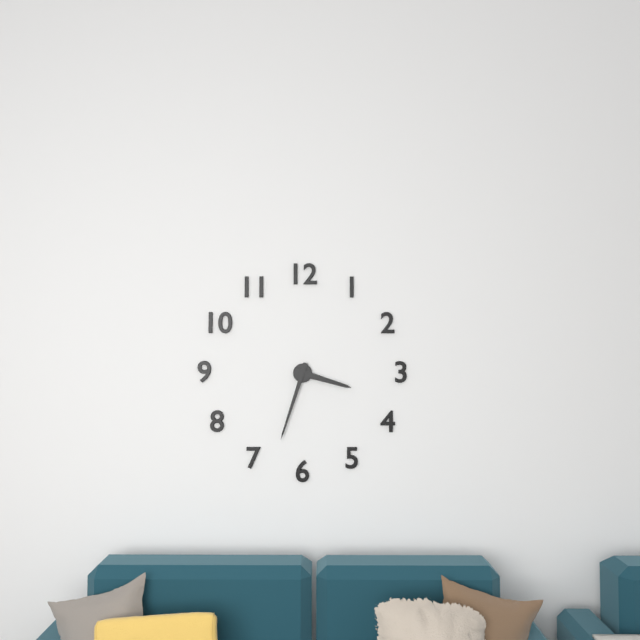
3:33
